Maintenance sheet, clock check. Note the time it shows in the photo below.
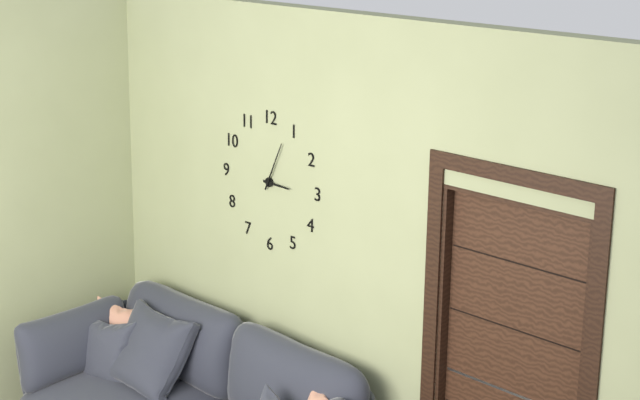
3:04
